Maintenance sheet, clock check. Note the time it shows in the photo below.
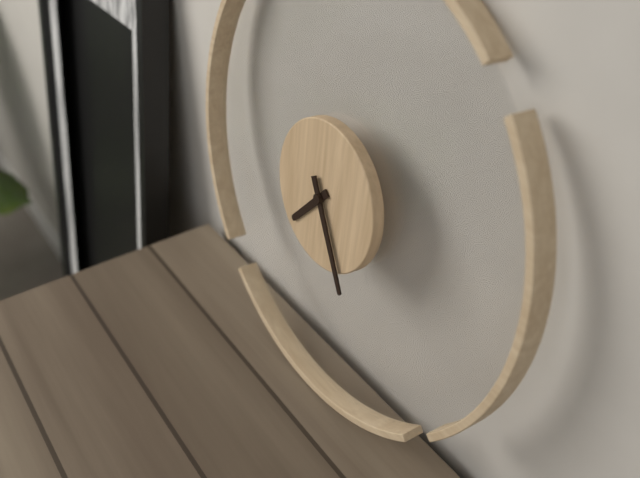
7:25
